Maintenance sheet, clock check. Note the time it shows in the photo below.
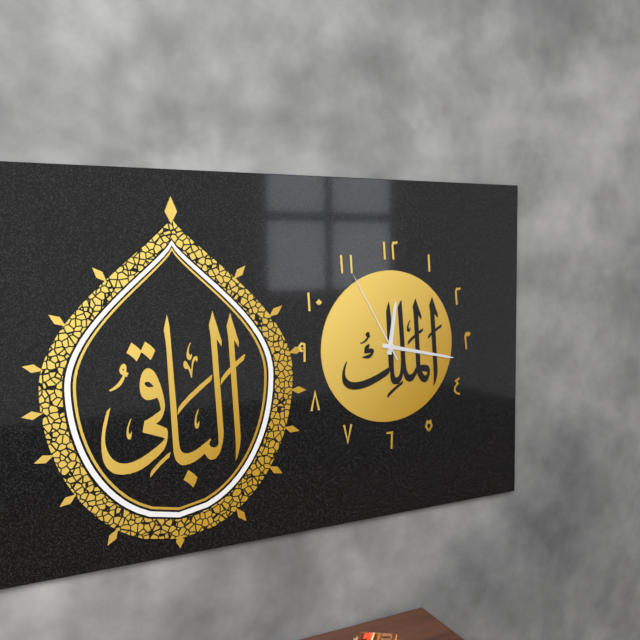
12:17:55
